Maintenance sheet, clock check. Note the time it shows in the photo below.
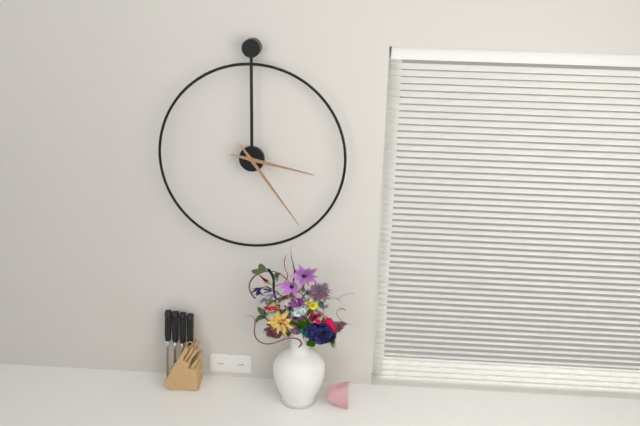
3:24
